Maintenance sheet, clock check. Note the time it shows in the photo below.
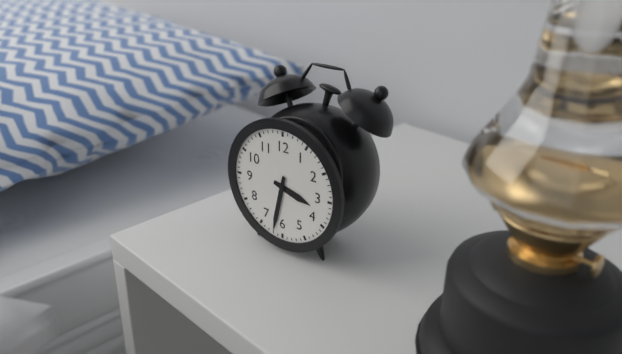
3:32
